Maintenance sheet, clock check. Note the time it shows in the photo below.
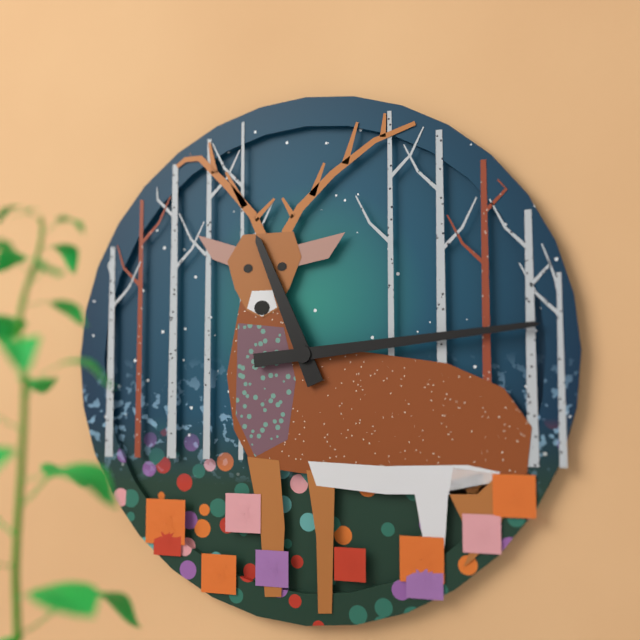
11:14
